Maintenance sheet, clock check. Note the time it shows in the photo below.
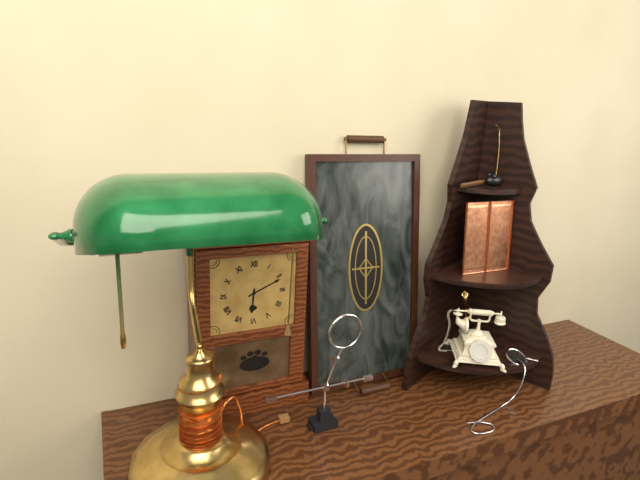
6:11
